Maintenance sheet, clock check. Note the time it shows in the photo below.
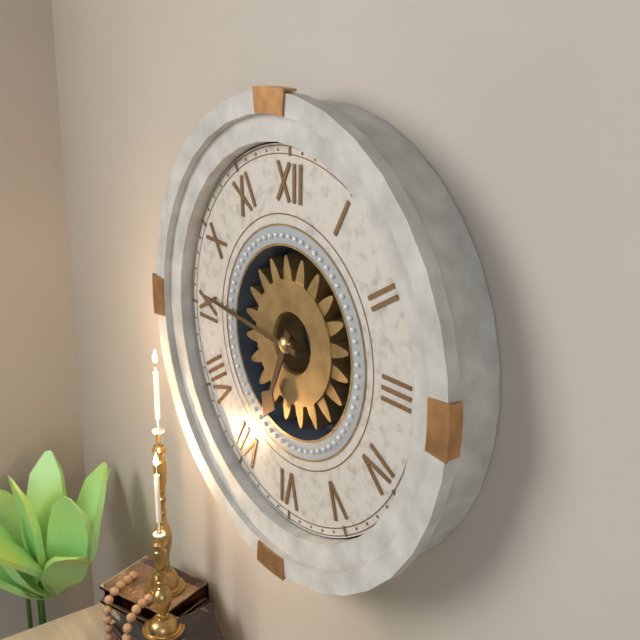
6:46
